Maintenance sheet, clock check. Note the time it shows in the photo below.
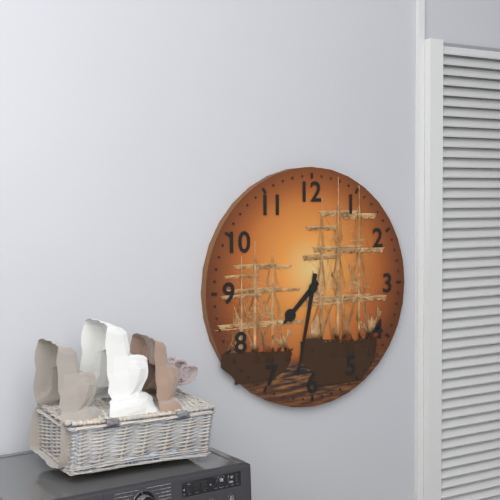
7:32
